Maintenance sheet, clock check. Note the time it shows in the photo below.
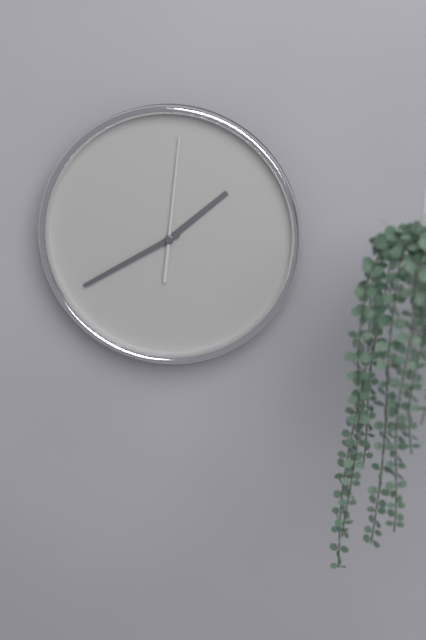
1:40:01
